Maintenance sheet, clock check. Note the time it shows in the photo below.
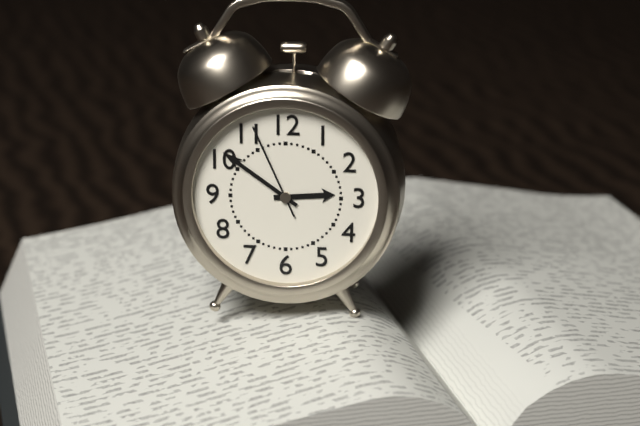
2:51:56
